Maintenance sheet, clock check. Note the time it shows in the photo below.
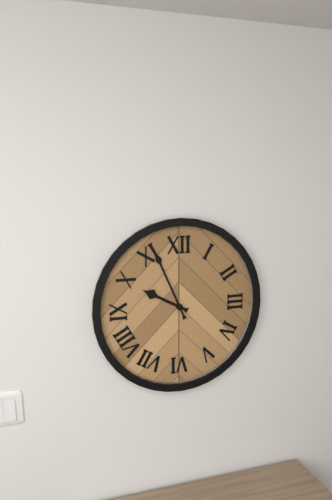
9:56
